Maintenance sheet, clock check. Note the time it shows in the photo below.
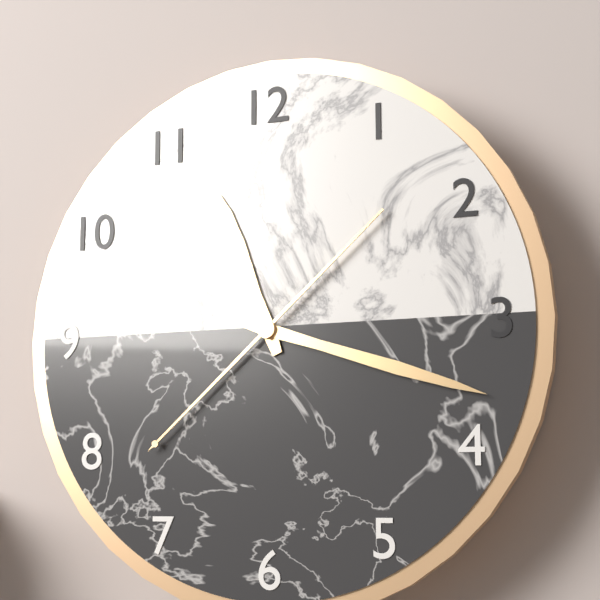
11:18:38
